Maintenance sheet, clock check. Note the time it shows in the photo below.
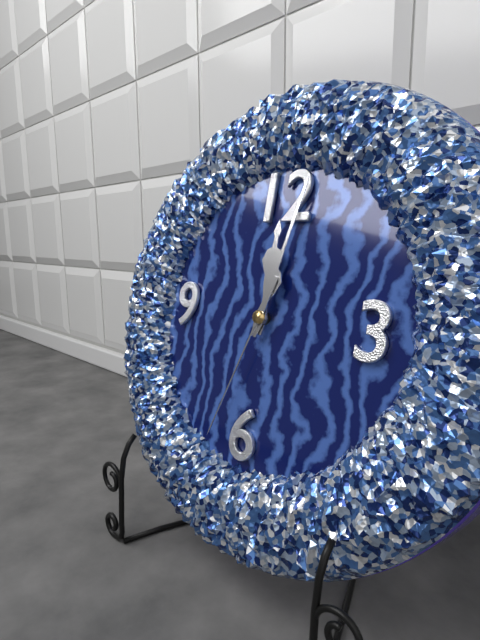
12:02:33
